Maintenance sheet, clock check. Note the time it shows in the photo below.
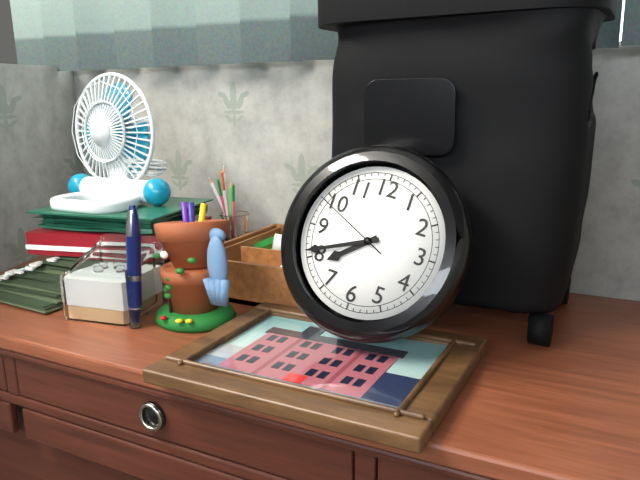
7:41:49
